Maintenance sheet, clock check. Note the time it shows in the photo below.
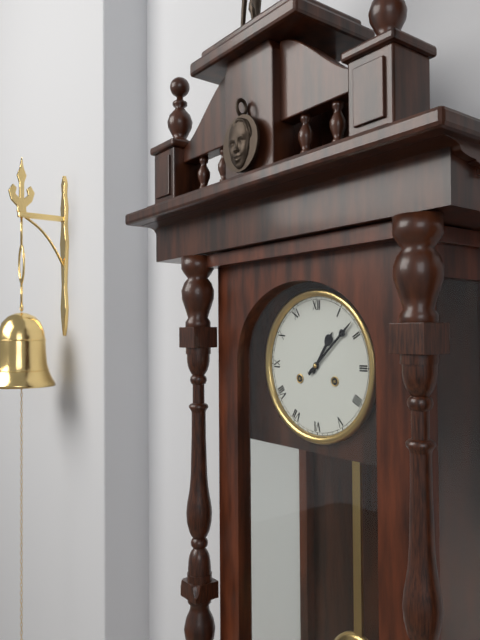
1:08
